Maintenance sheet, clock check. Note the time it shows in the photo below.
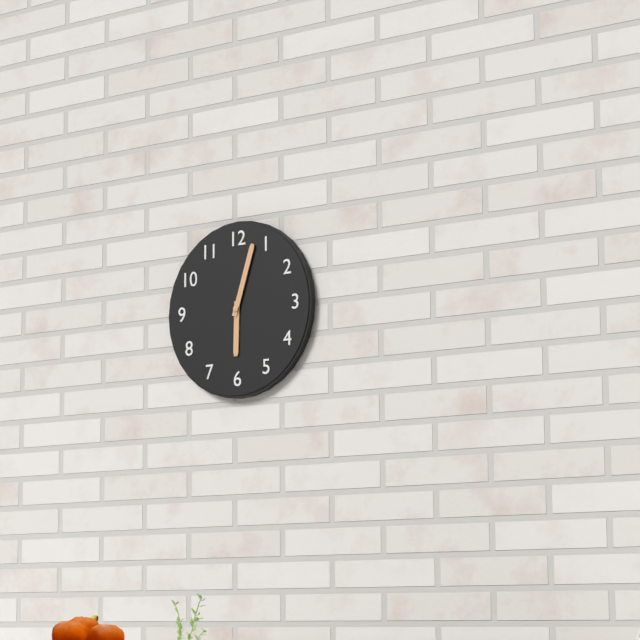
6:03
